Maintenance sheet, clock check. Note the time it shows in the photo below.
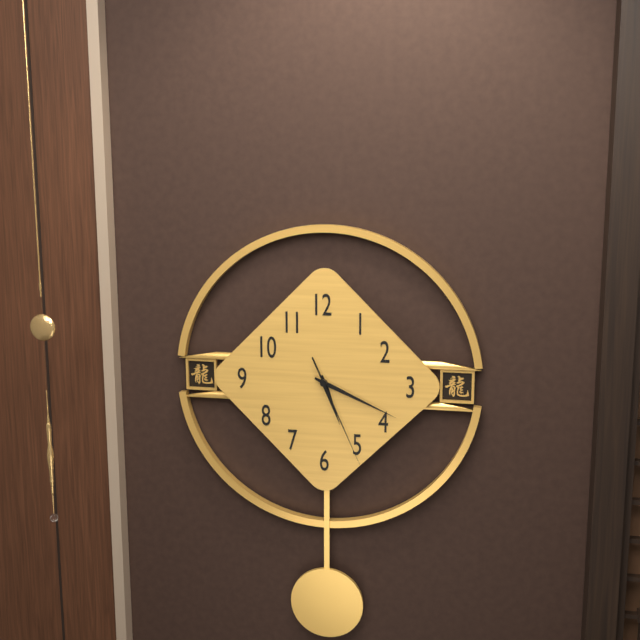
5:19:26
